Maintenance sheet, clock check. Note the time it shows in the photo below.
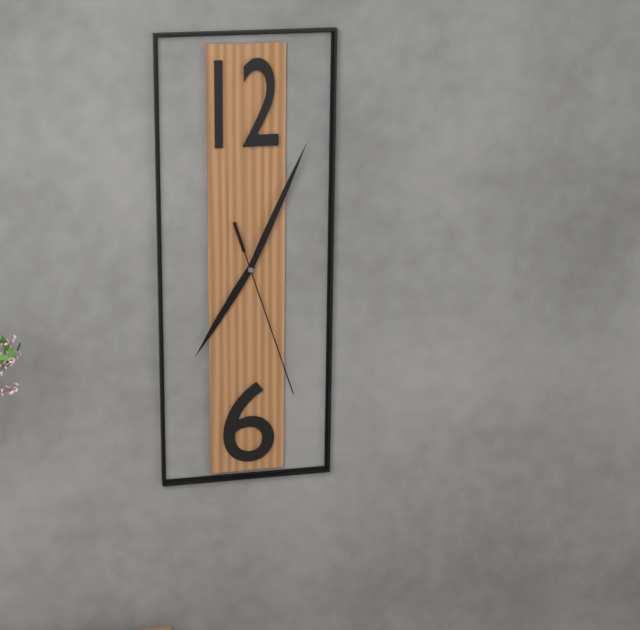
7:04:27
